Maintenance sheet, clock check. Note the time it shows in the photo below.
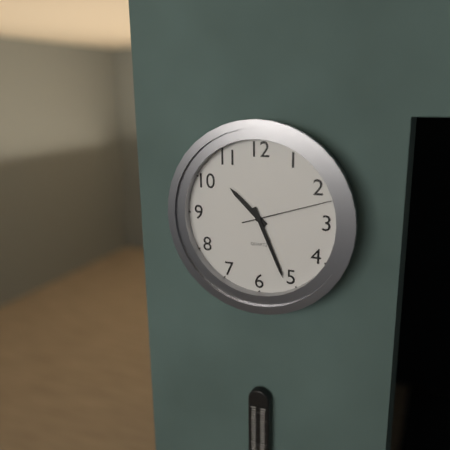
10:26:12
